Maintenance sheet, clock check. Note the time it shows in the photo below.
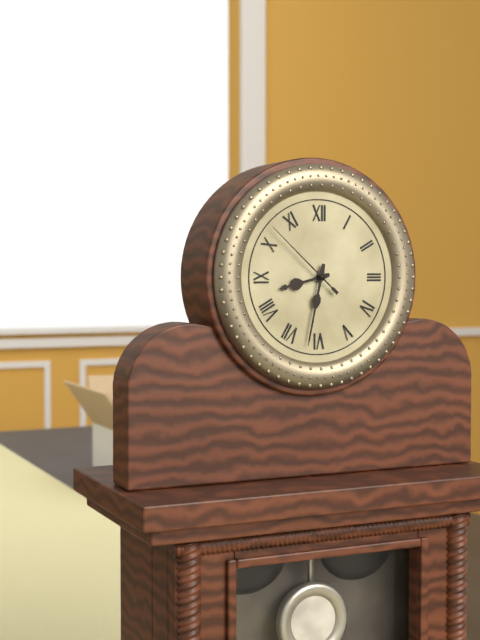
8:32:52
